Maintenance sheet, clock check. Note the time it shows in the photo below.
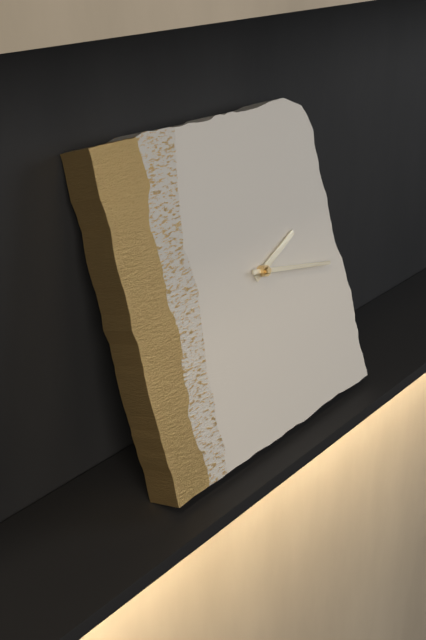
2:17
